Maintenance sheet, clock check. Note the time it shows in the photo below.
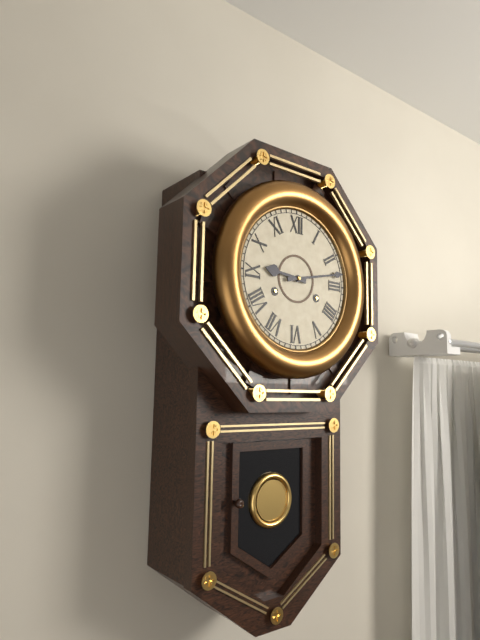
9:13
